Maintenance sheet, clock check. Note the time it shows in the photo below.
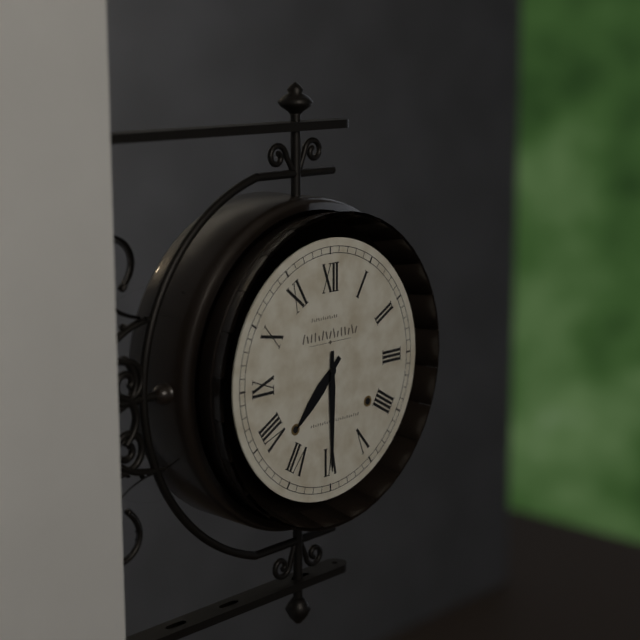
7:30
